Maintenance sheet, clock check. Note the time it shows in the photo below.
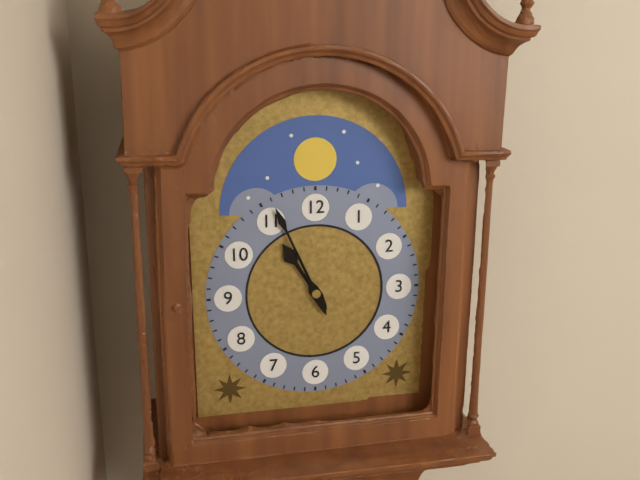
10:56
